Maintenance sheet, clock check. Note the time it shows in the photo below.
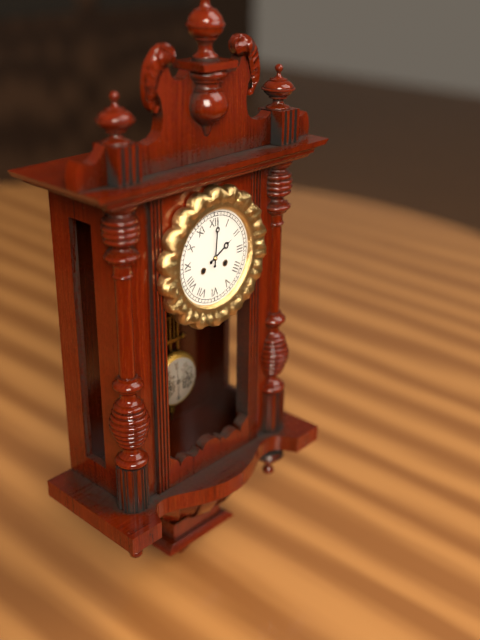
2:01
